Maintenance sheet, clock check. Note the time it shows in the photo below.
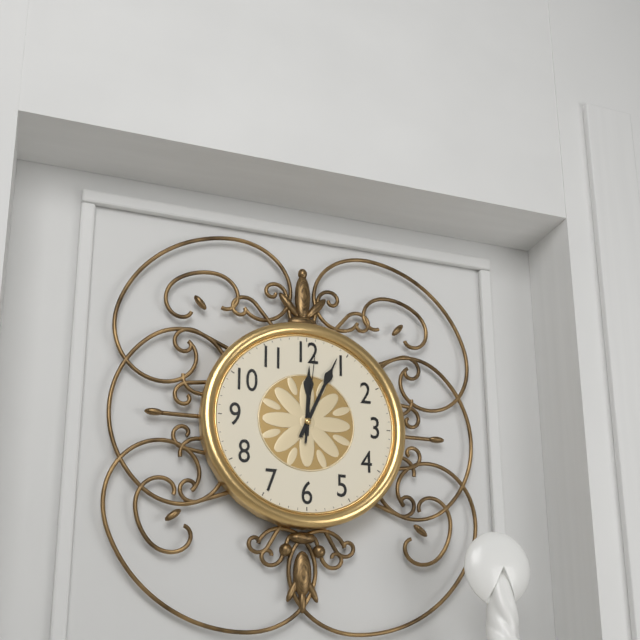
12:04:01
